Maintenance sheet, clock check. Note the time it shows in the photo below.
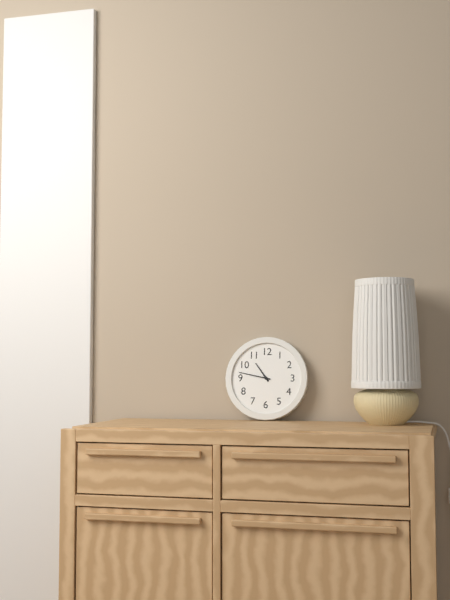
10:47
